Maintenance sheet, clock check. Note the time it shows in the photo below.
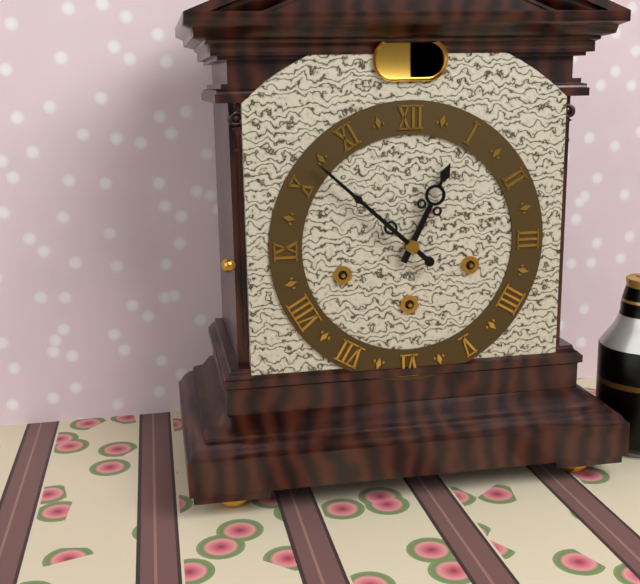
12:52
